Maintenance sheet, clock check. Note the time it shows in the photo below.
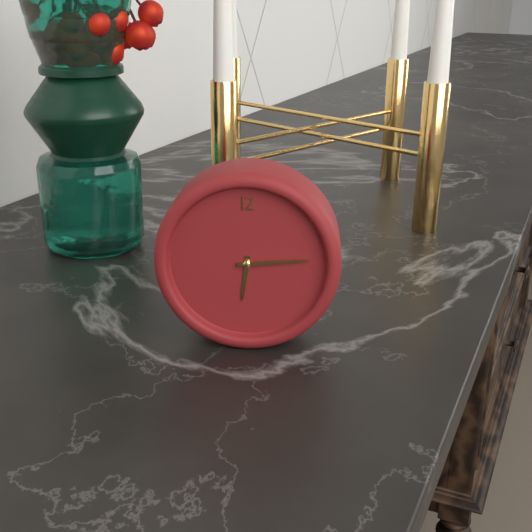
6:14
